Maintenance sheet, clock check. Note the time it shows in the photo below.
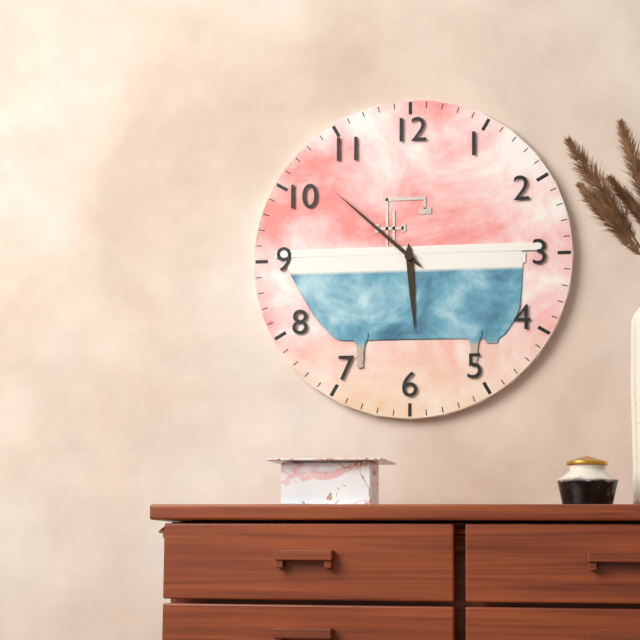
5:52
